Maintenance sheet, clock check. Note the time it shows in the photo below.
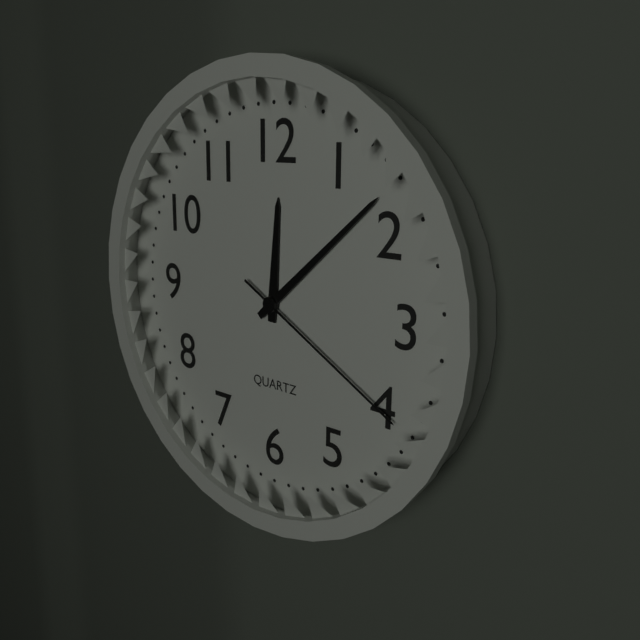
12:08:20
